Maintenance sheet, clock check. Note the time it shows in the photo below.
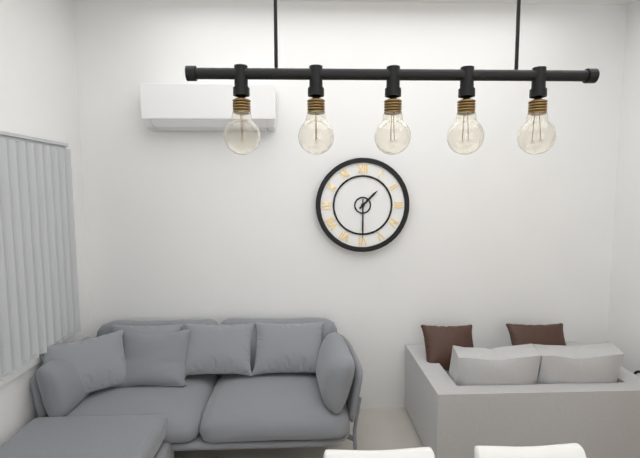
1:30
